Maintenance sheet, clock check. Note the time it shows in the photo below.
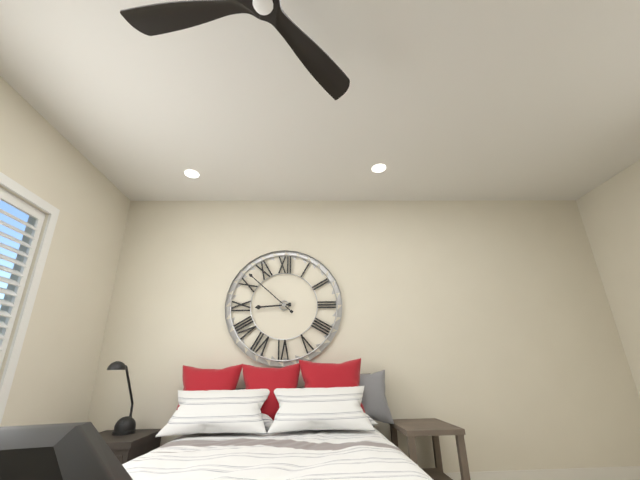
8:52
